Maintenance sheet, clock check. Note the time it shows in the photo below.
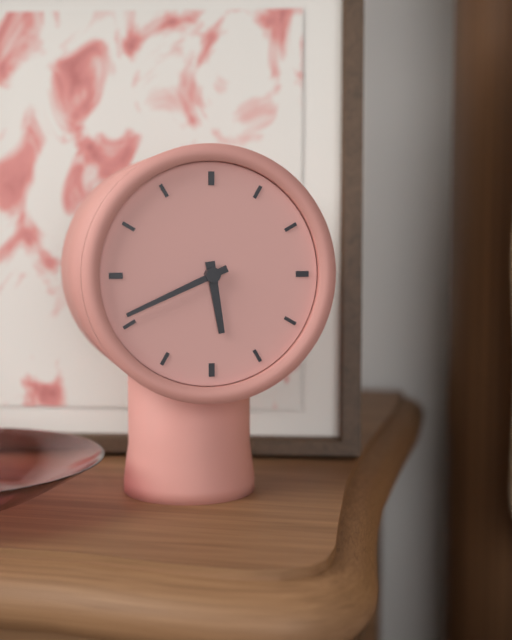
5:41
